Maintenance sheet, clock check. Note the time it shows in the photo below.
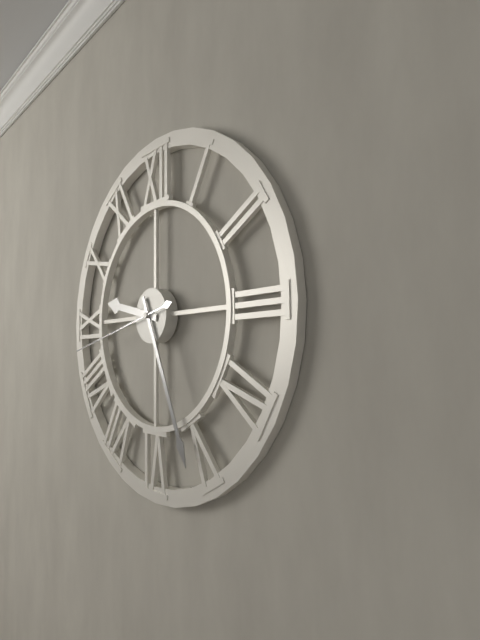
9:26:43
